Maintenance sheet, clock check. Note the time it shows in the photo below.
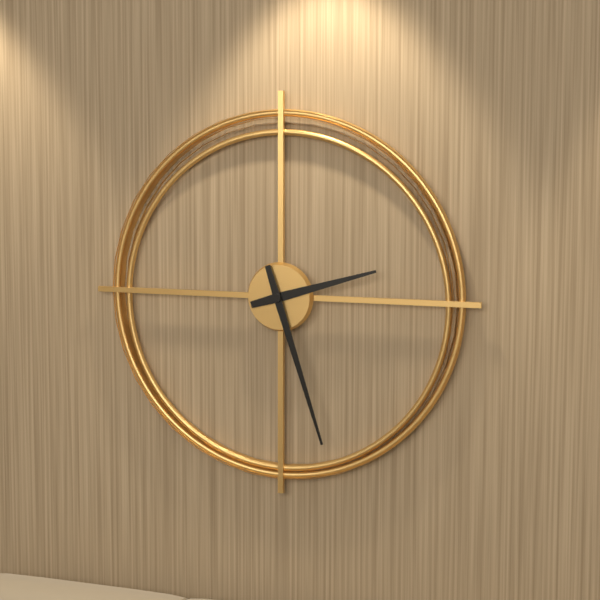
2:27
